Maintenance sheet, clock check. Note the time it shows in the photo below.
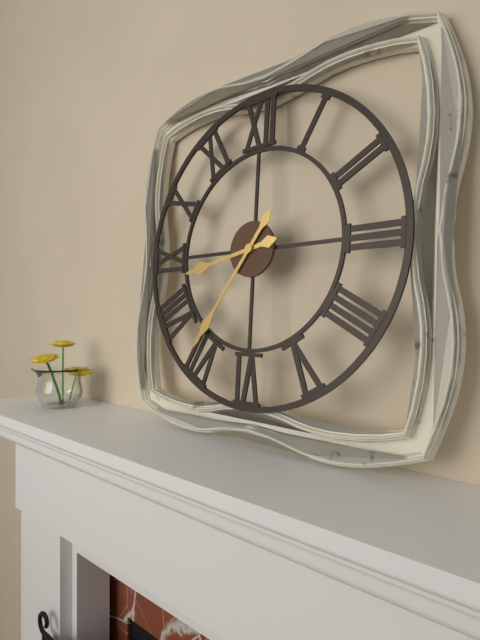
8:36
